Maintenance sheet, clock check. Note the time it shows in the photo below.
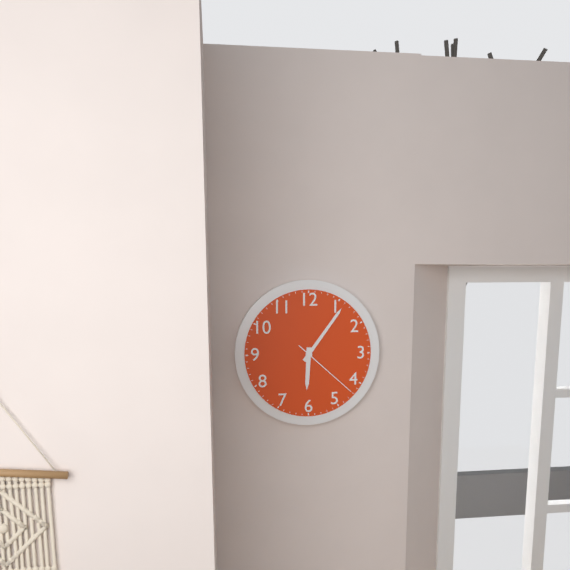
6:06:22
